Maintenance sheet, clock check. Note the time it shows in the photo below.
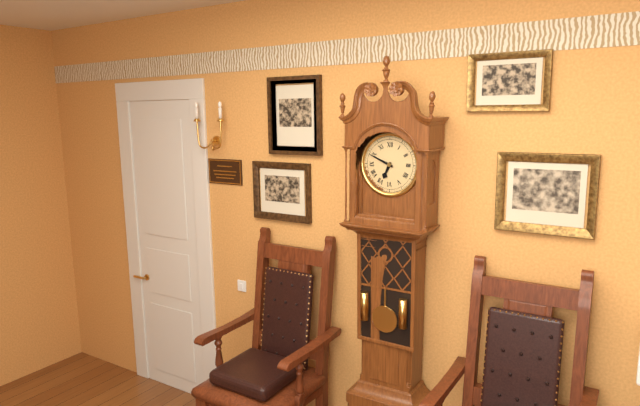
6:49
